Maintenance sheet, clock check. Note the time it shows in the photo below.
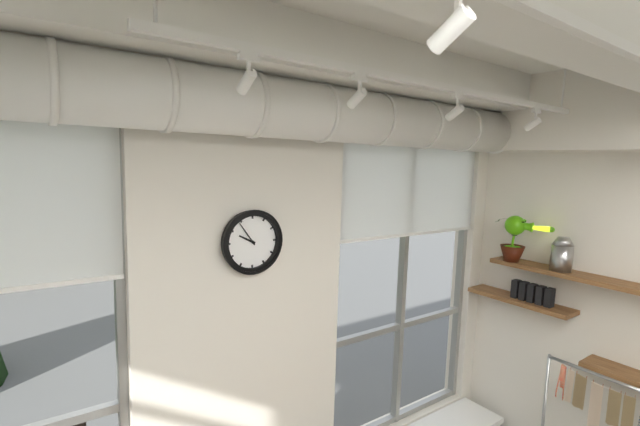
9:54
